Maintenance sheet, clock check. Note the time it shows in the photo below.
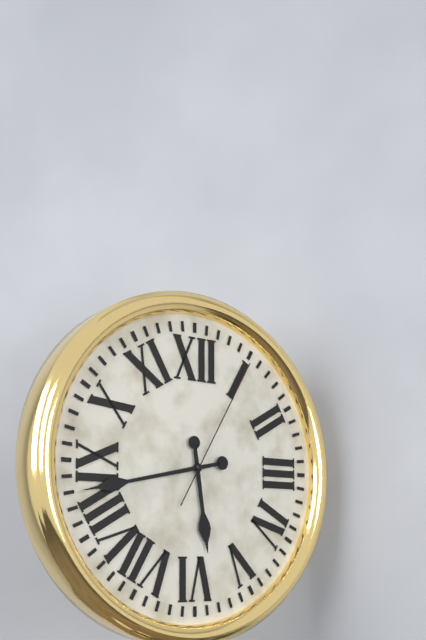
5:43:05
